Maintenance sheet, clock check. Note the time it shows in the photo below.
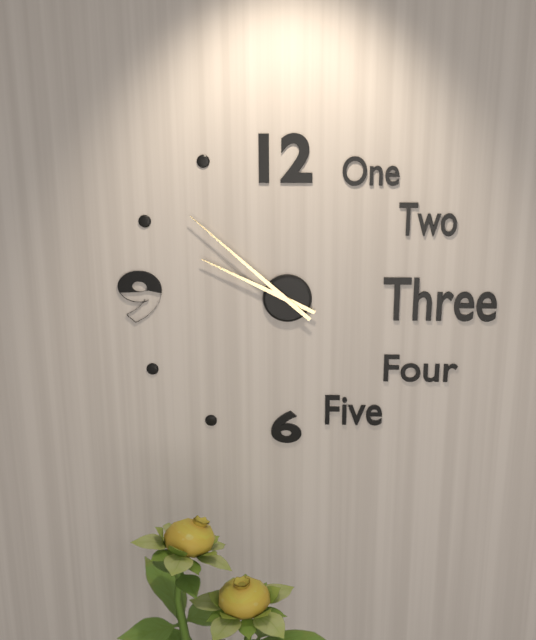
9:52
